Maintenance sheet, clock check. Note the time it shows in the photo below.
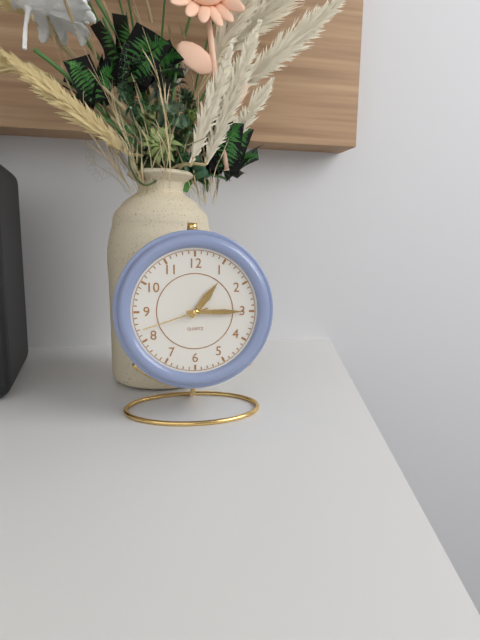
1:15:42
